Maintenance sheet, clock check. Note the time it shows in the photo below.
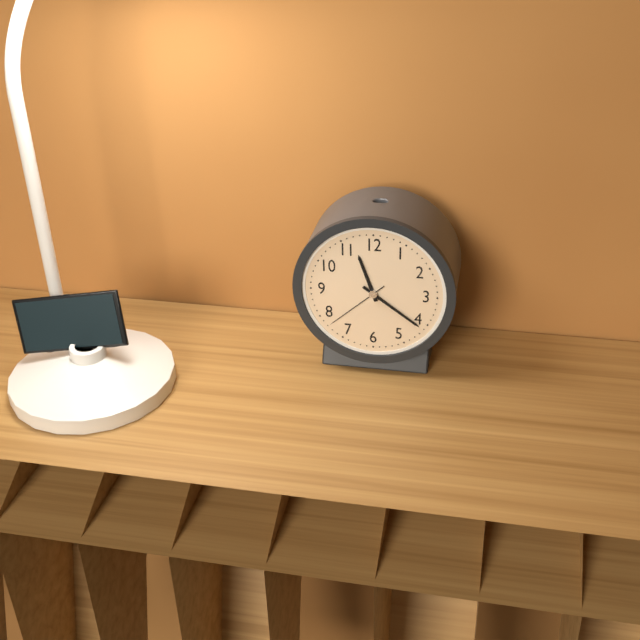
11:21:38
